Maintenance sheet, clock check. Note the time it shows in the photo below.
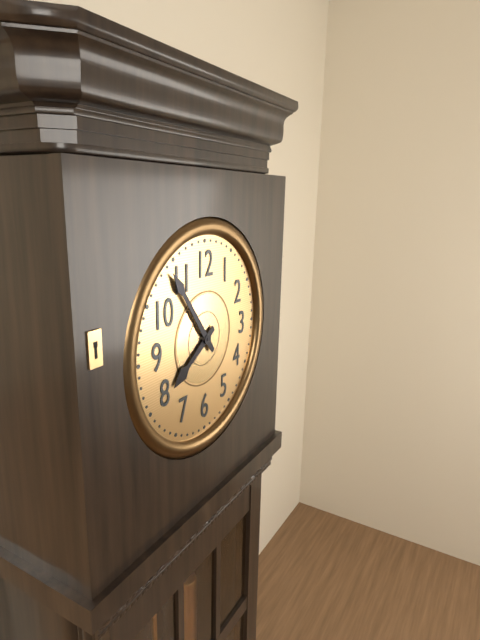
7:54
